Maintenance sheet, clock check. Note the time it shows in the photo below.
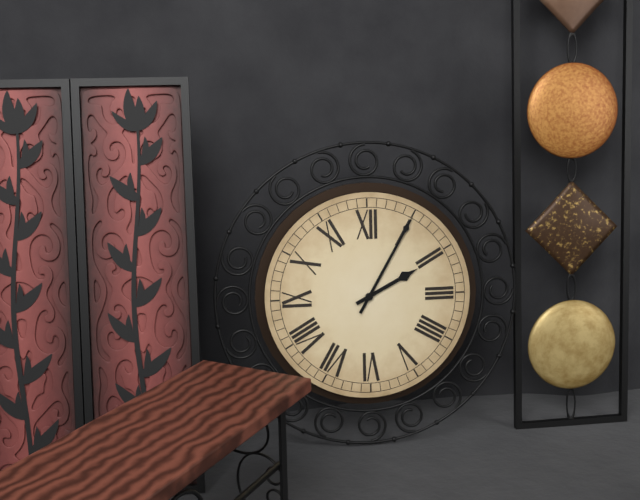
2:05
